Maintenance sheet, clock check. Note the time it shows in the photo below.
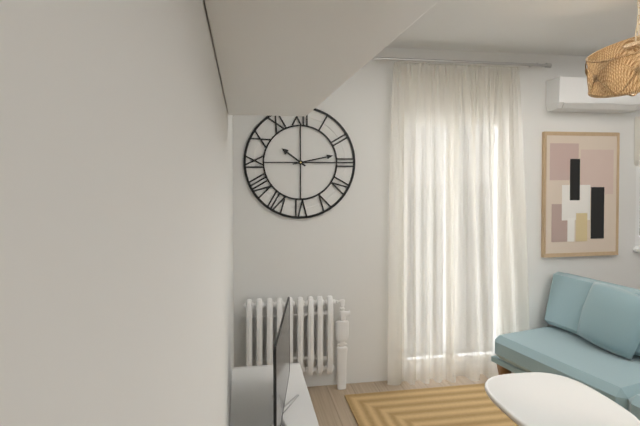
10:13
